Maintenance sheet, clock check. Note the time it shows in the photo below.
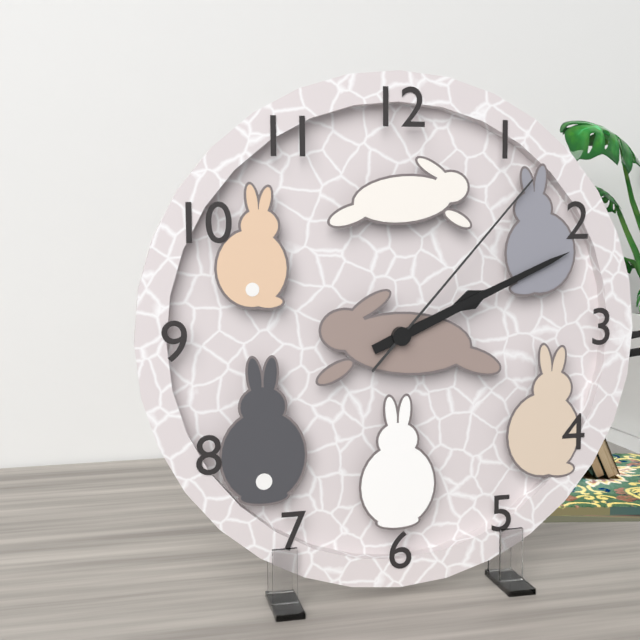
2:11:07
